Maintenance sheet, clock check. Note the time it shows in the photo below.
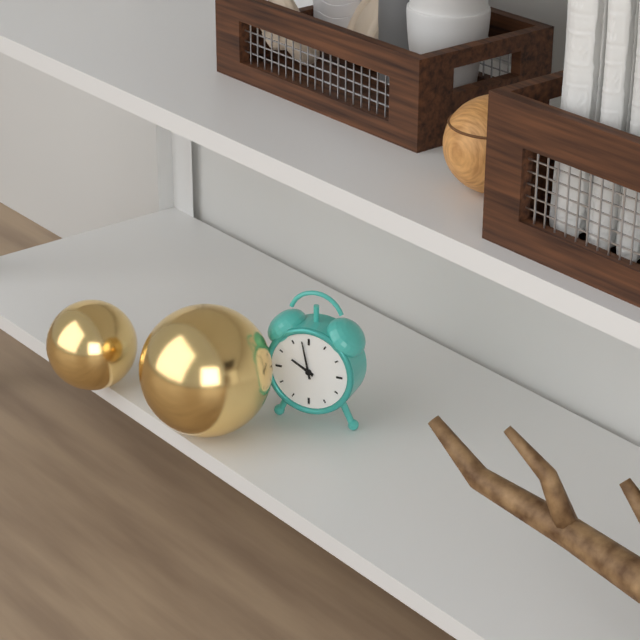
9:58
